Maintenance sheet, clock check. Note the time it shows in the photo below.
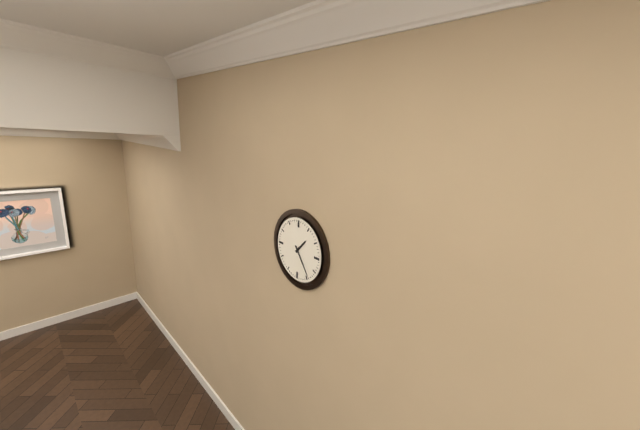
1:24
